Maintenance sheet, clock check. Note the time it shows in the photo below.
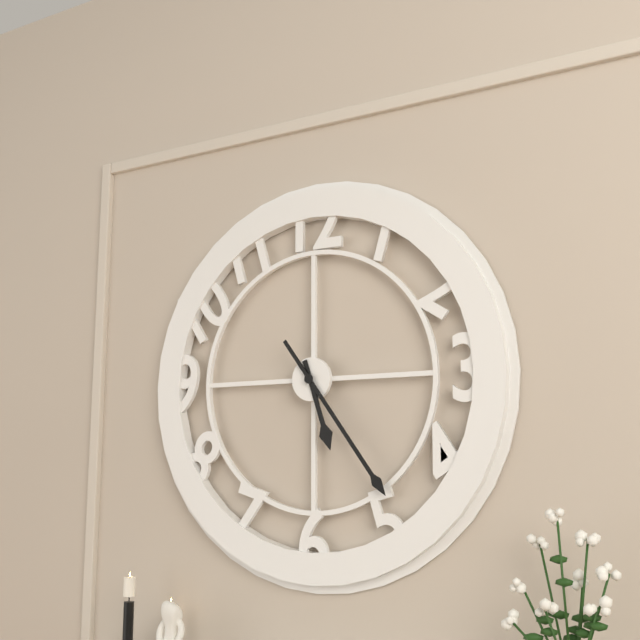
5:24
